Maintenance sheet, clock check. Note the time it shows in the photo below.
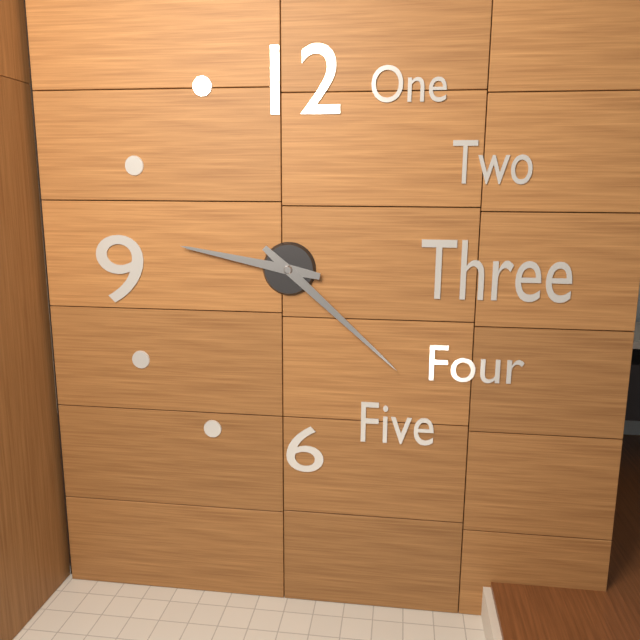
9:22
